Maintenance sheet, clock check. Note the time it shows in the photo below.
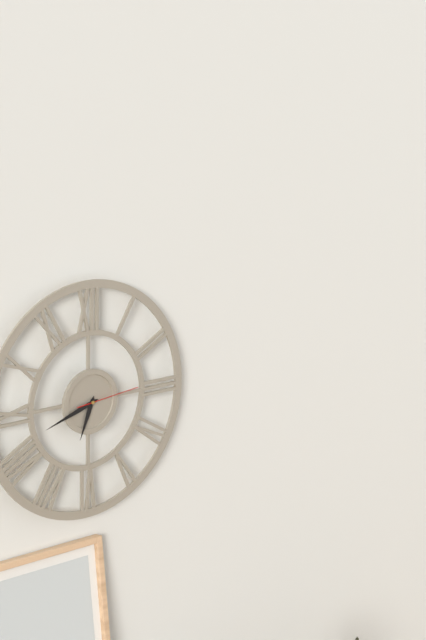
6:42:14
